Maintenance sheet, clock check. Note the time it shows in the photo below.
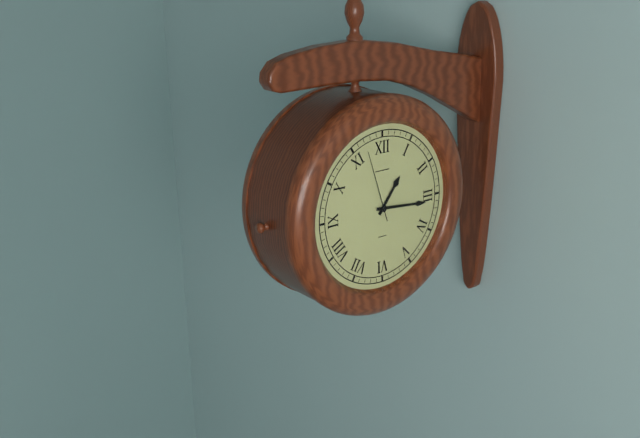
1:16:57
